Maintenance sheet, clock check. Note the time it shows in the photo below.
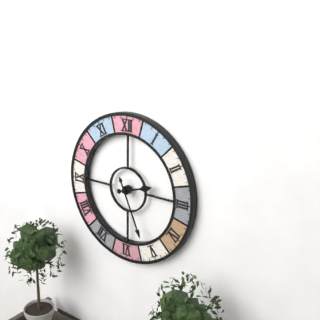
2:26
